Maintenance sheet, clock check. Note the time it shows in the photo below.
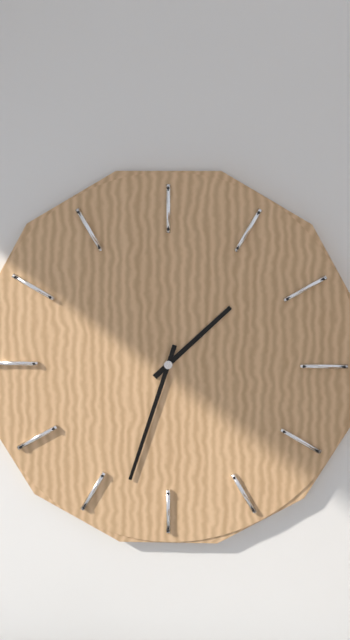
1:33
